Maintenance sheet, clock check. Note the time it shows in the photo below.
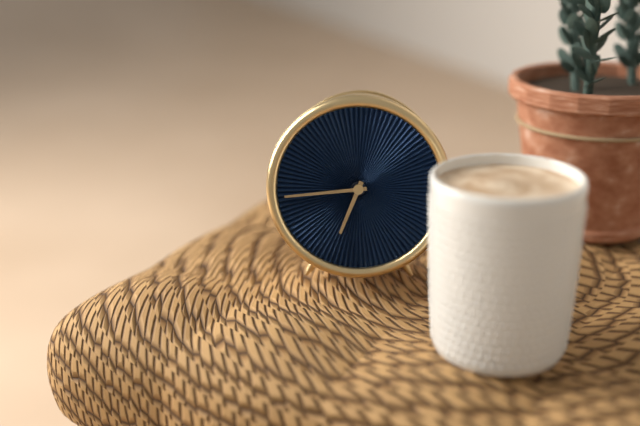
6:44
